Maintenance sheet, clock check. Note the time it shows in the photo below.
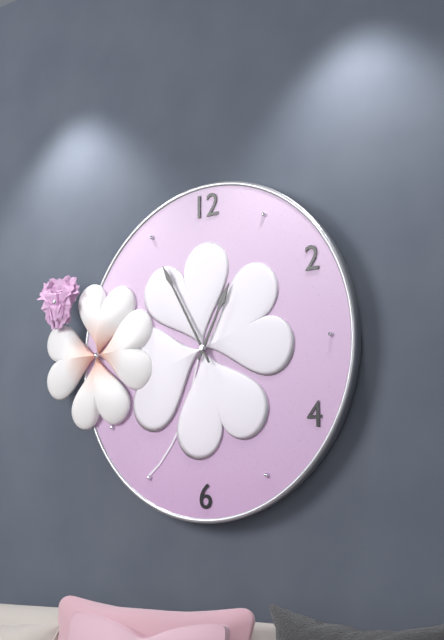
12:55
